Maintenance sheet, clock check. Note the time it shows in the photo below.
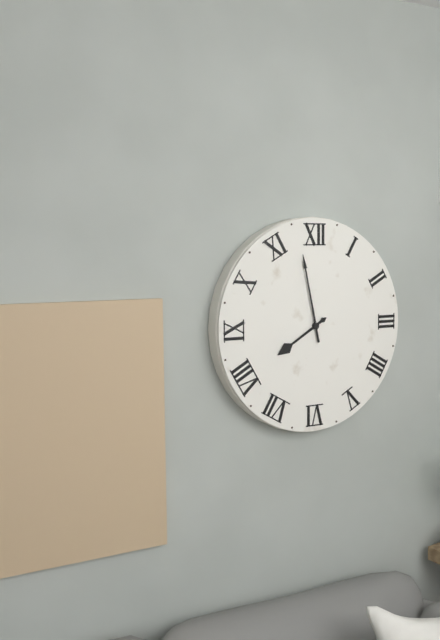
7:58
